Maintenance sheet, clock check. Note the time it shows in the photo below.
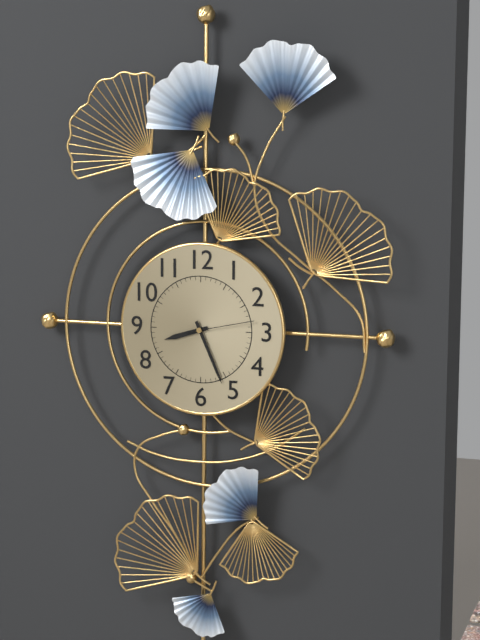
8:26:13
